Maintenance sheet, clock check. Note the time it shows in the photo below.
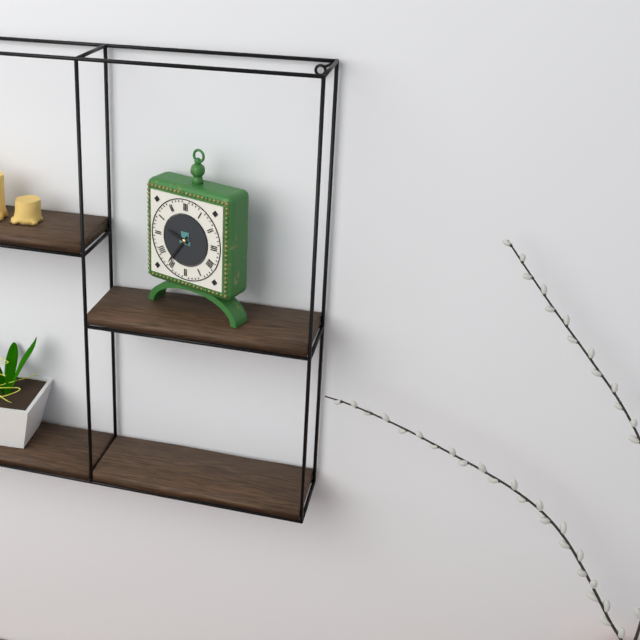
9:36
